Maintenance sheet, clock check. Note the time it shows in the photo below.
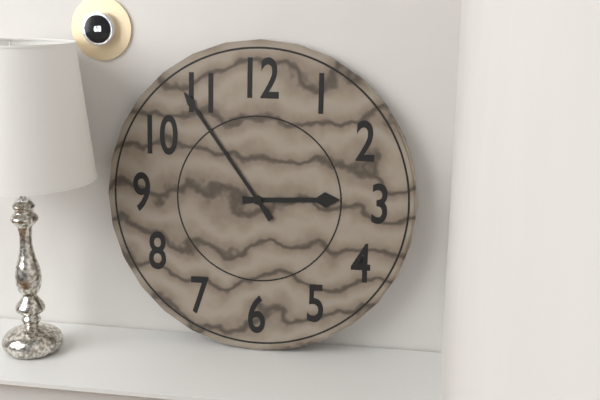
2:54
